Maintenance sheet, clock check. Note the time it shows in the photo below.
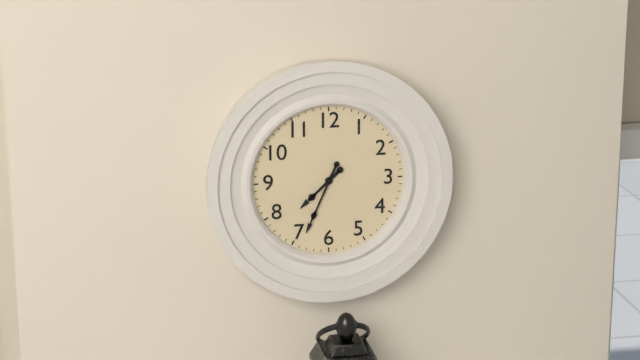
7:34
